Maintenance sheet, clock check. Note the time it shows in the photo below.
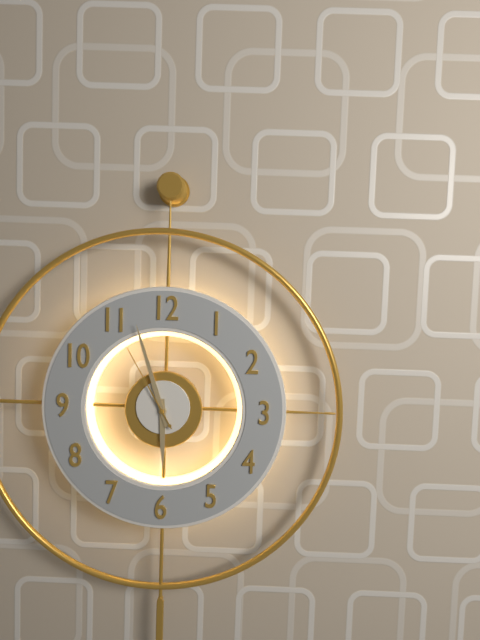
5:57:55
